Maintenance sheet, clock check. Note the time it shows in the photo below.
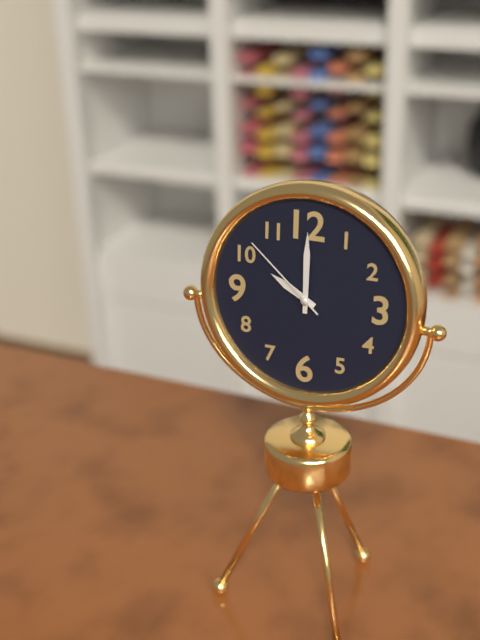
10:00:52
